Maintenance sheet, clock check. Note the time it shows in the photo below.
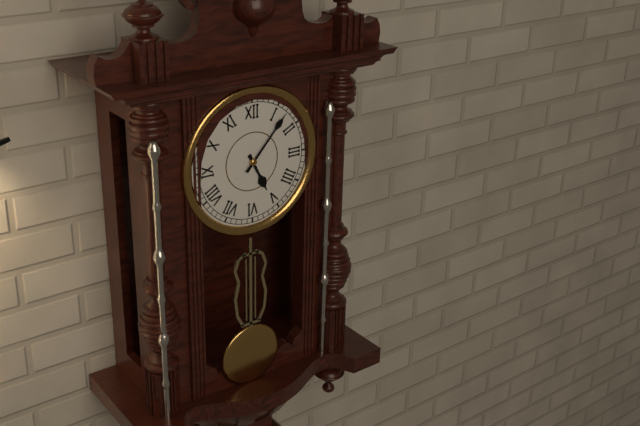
5:07
